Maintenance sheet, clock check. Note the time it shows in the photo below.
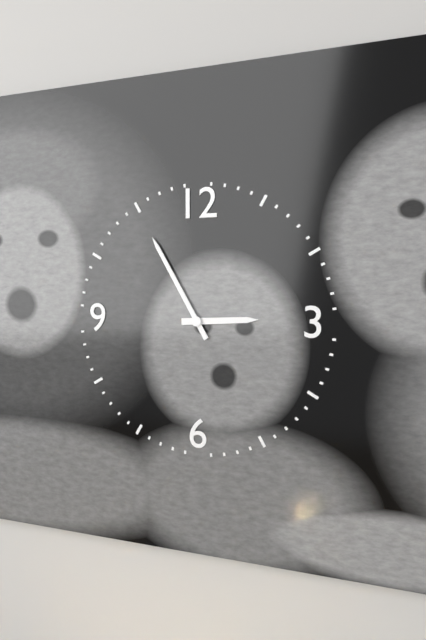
2:55
